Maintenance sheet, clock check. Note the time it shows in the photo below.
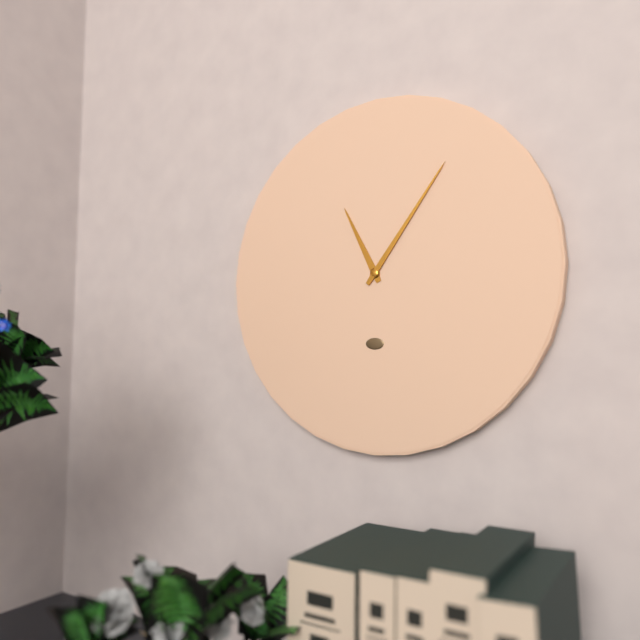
11:06
